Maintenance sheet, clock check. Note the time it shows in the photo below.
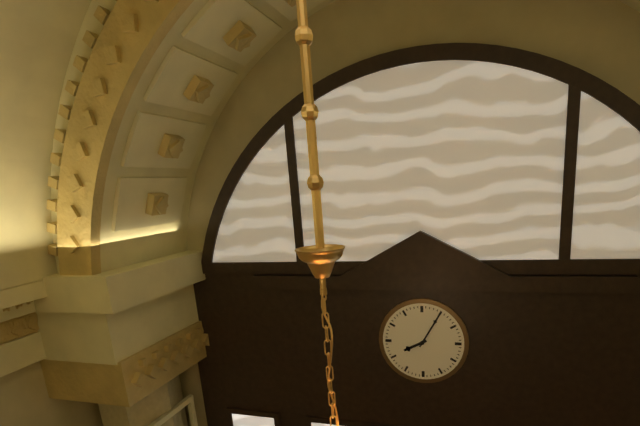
8:05
